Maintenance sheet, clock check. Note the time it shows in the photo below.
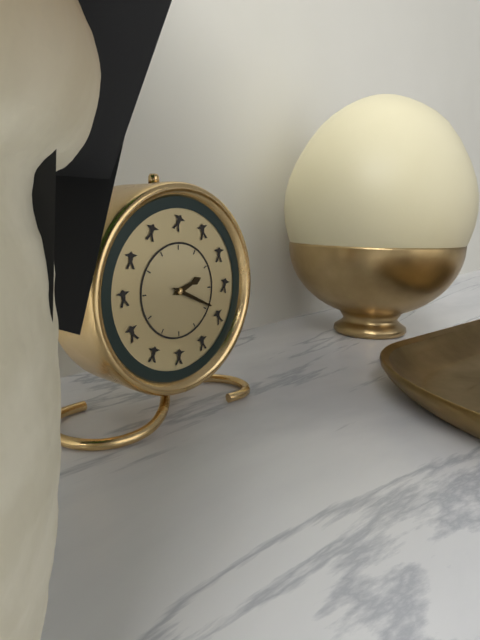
2:19
